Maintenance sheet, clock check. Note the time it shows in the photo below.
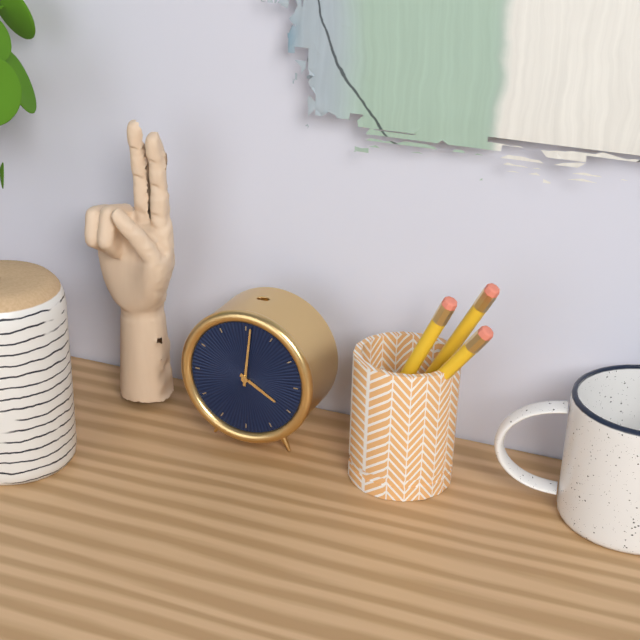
4:01
